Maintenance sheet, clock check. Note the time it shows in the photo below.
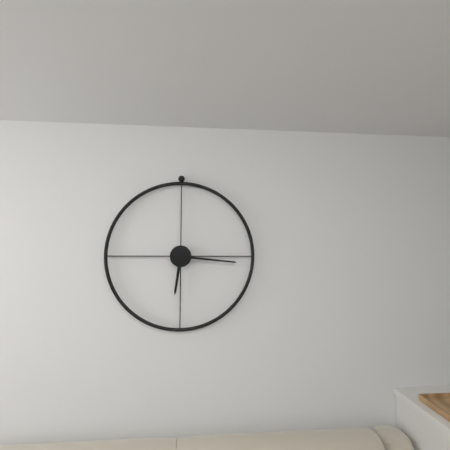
6:16
